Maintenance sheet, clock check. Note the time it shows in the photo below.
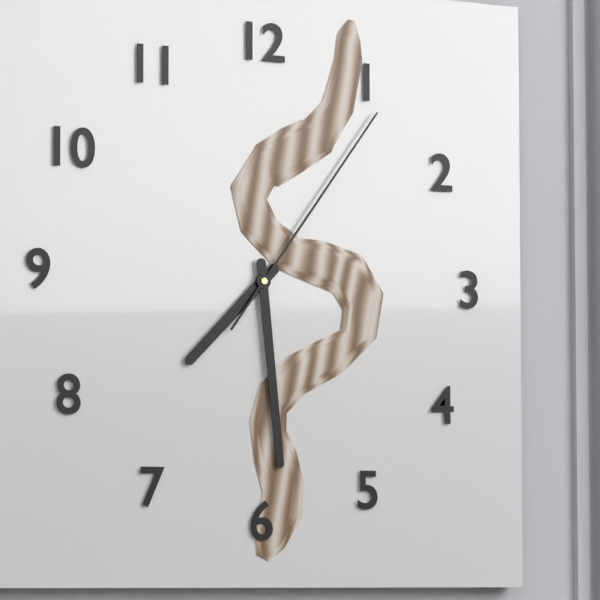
7:29:06
